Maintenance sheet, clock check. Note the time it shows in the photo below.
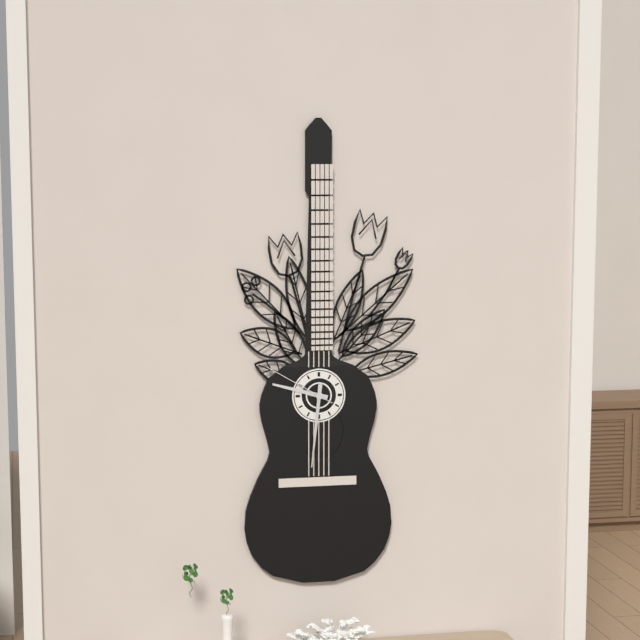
9:31:50
